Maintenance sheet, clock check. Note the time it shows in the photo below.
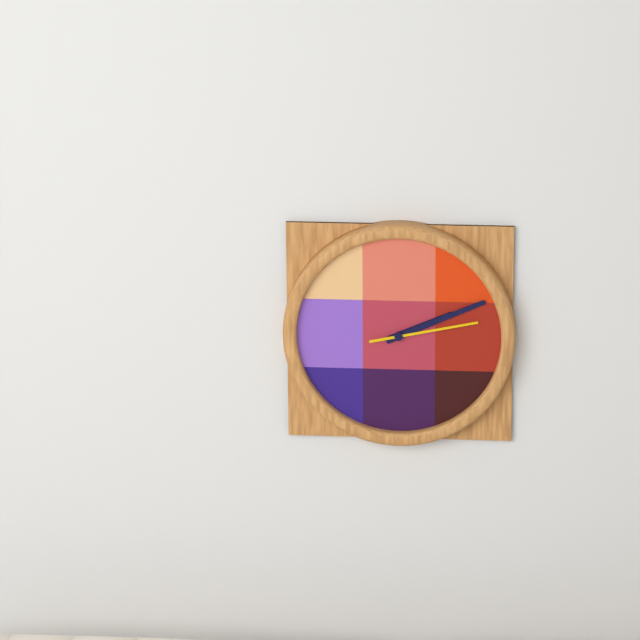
2:11:13
